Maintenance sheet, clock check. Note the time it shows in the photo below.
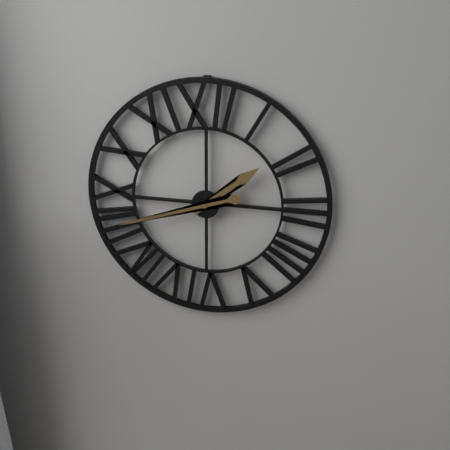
1:42
